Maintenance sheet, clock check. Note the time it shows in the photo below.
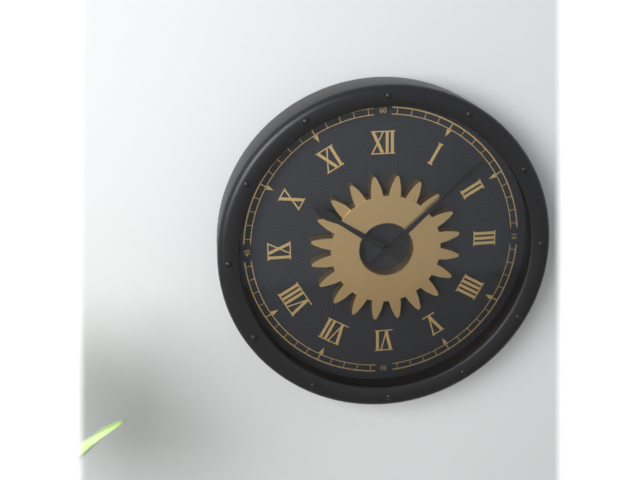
10:08
